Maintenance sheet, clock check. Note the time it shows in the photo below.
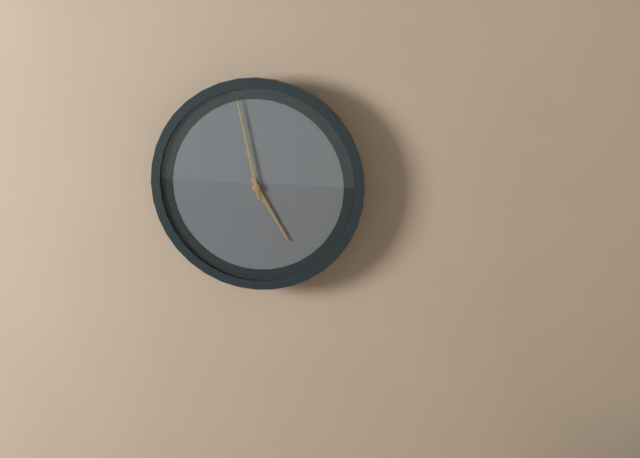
4:58
